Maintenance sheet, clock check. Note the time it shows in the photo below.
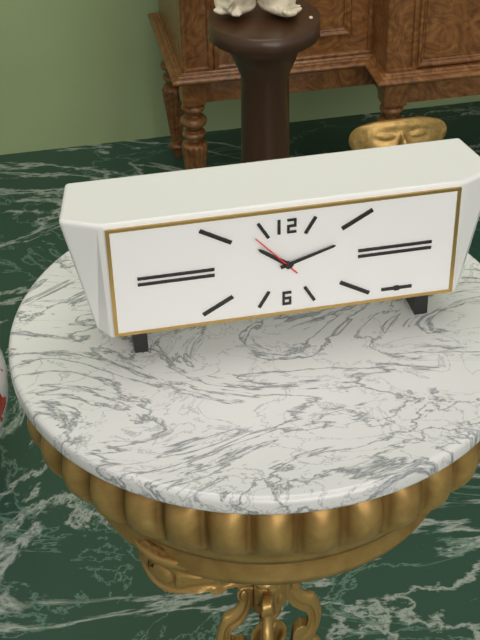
10:12
